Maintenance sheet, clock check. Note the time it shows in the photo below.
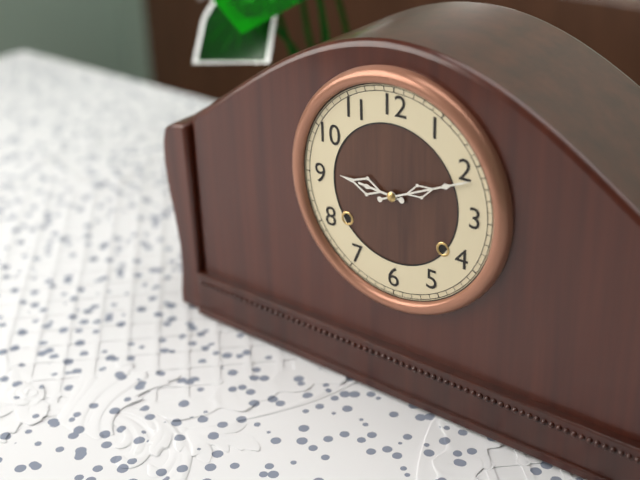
9:11
